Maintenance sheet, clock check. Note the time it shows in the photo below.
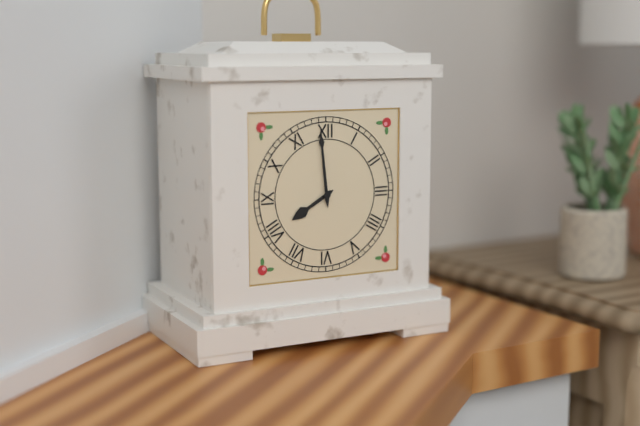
7:59
